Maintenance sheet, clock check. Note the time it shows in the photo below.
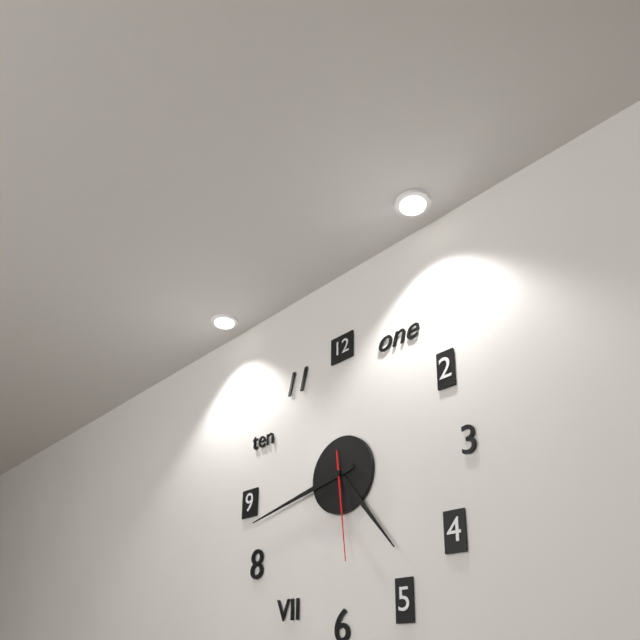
4:43:29
